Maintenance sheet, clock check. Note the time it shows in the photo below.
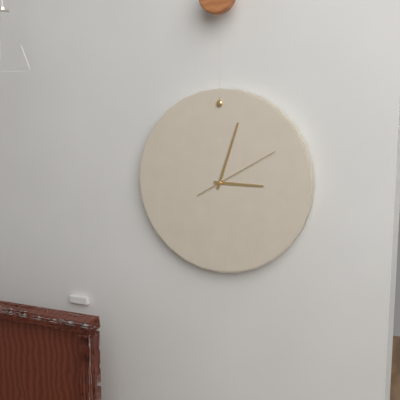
3:03:10
